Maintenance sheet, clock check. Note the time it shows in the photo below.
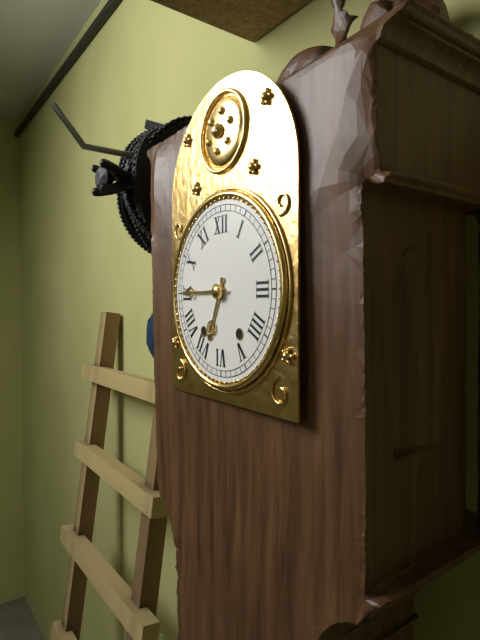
6:45
